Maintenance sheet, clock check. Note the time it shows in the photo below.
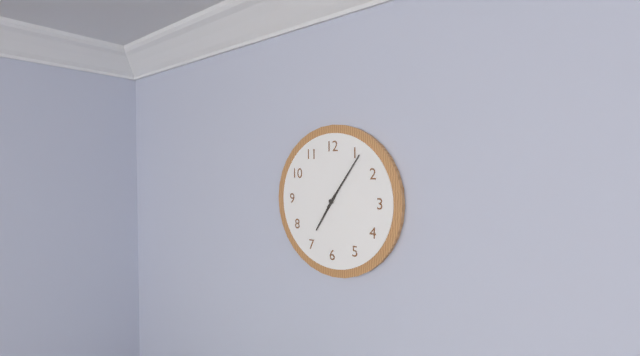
7:06
